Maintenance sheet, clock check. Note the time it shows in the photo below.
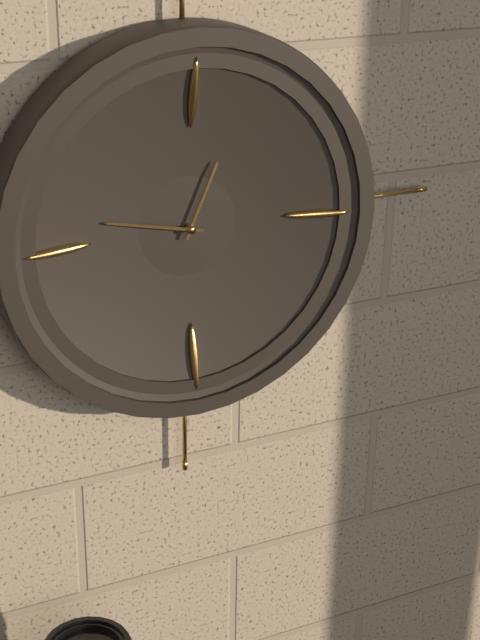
12:47
